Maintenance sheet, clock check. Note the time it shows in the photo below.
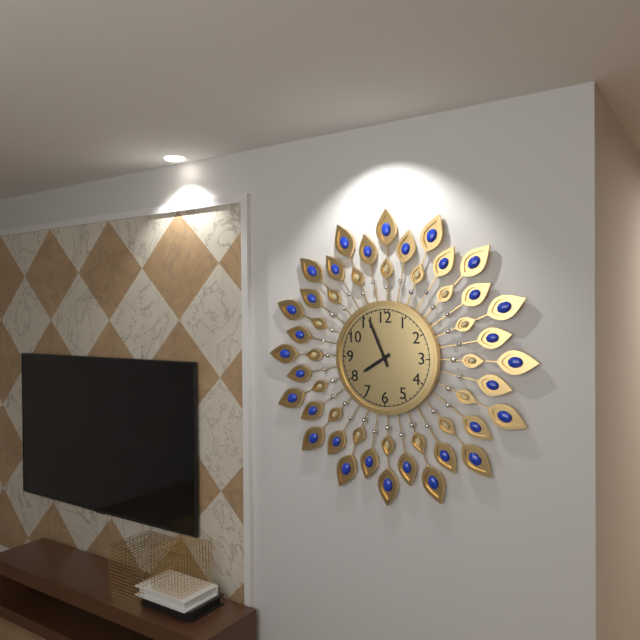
7:56
